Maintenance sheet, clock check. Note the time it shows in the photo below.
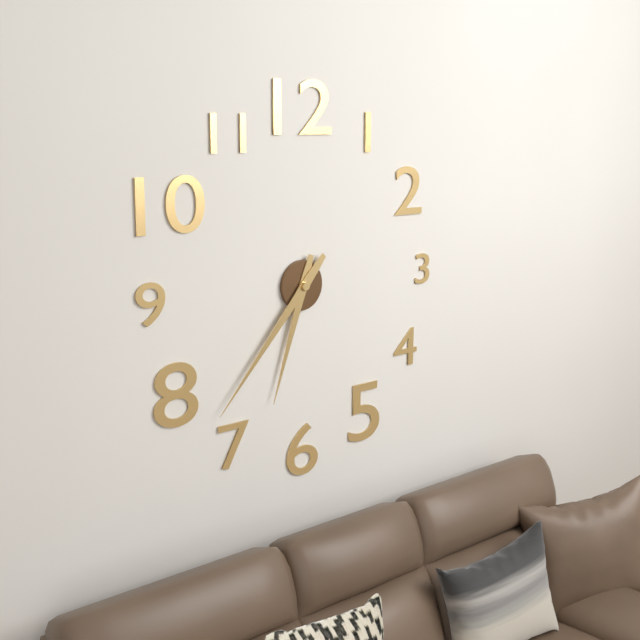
6:37
